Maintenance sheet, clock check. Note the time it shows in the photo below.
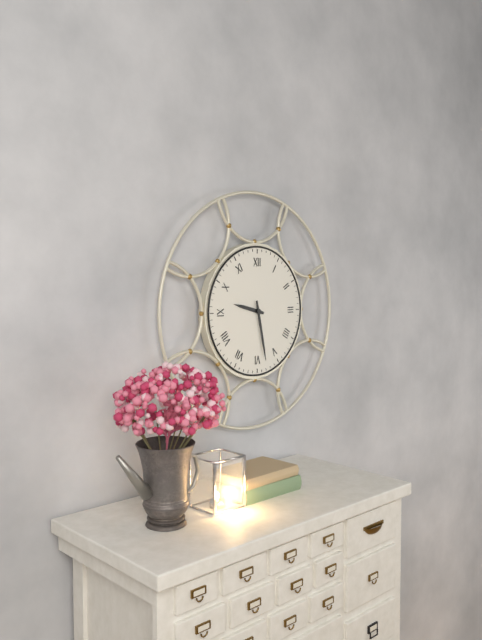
9:28
